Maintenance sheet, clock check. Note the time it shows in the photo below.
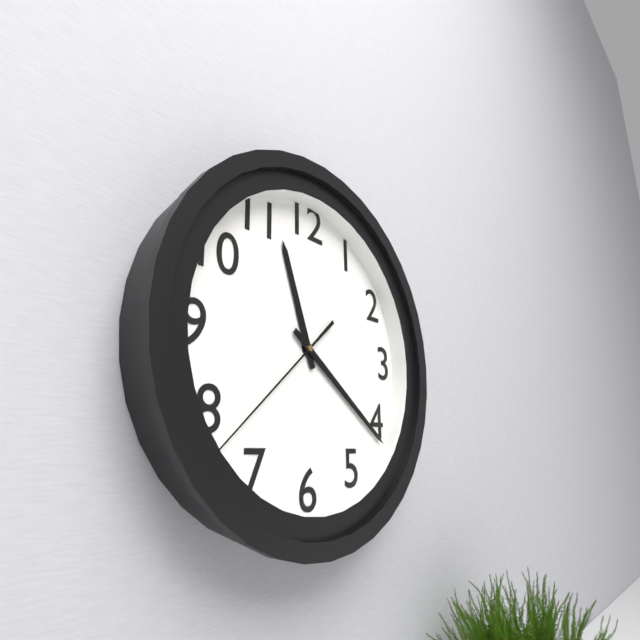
11:21:38
